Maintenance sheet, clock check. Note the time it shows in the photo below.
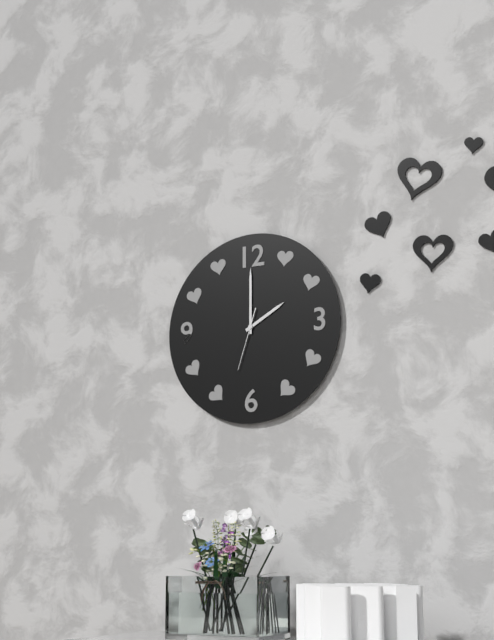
2:00:33
